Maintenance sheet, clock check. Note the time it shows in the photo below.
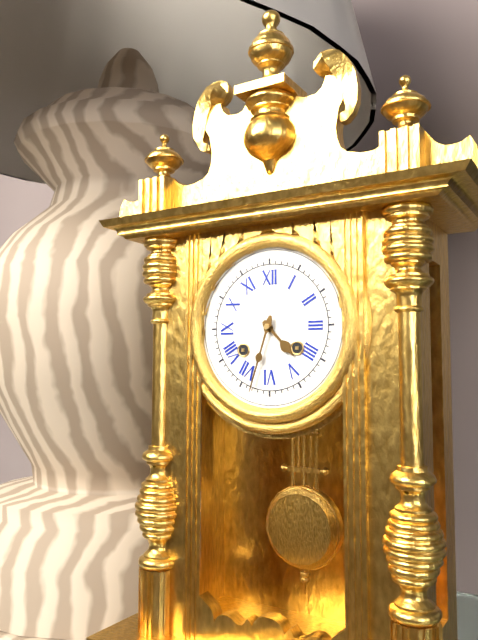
4:33
